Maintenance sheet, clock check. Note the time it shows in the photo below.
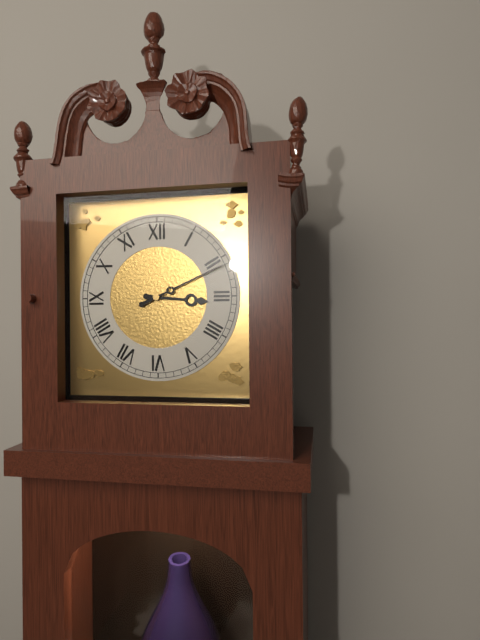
3:11
